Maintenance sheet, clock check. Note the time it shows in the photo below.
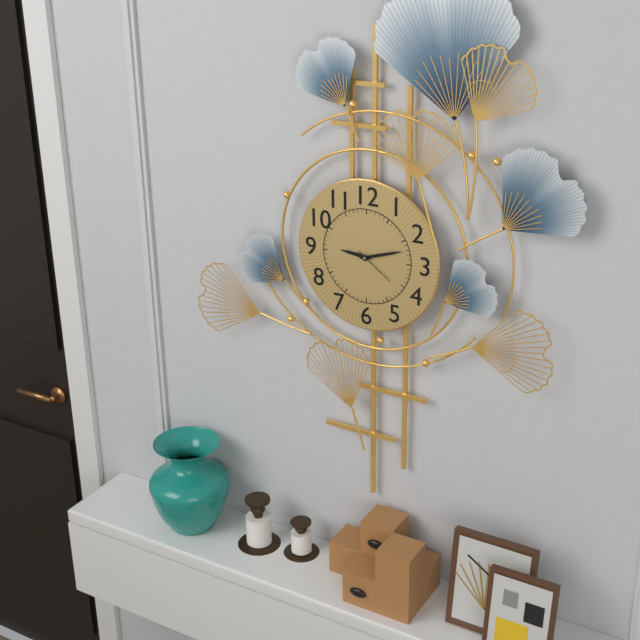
9:12
